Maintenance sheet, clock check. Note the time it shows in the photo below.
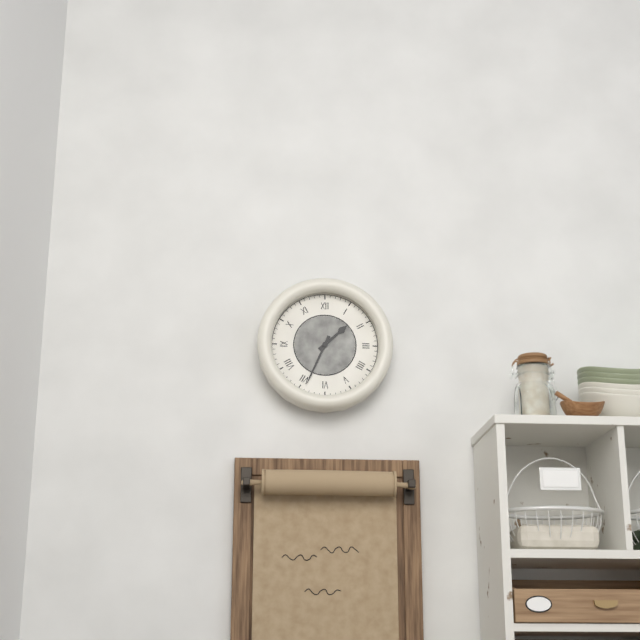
1:34
